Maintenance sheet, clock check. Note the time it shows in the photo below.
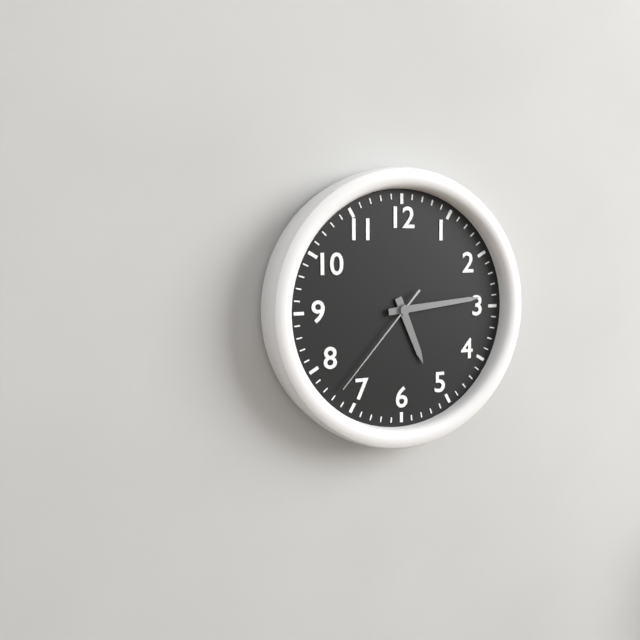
5:14:37
